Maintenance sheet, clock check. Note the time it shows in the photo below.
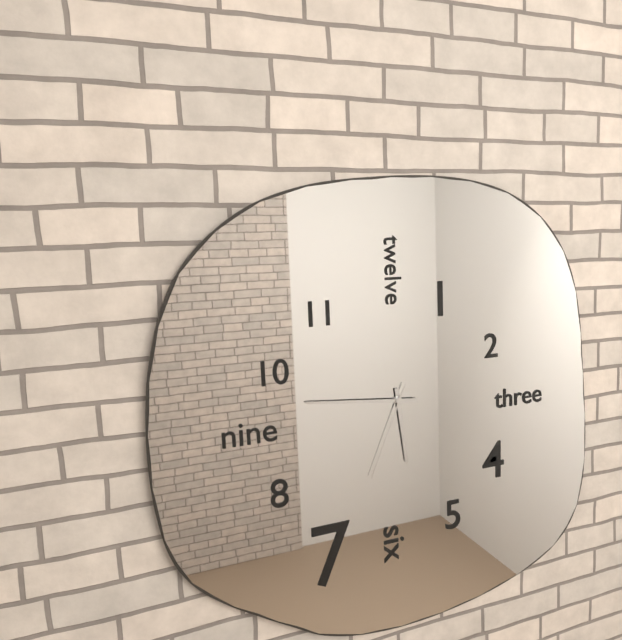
5:46:34
